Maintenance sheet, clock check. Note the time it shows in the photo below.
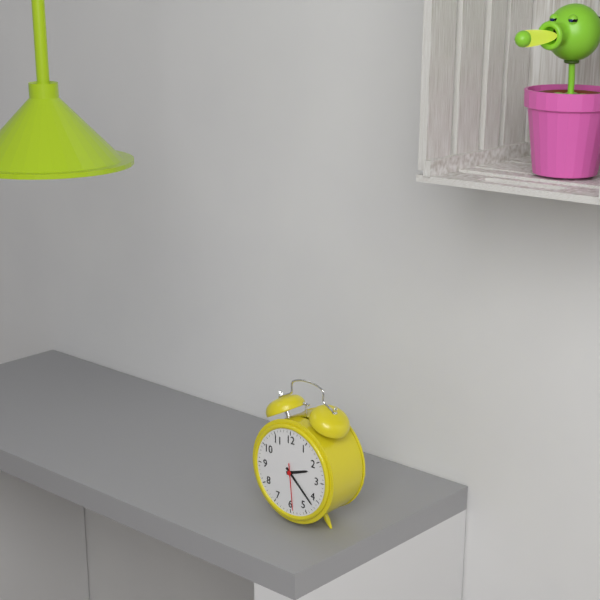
2:22
